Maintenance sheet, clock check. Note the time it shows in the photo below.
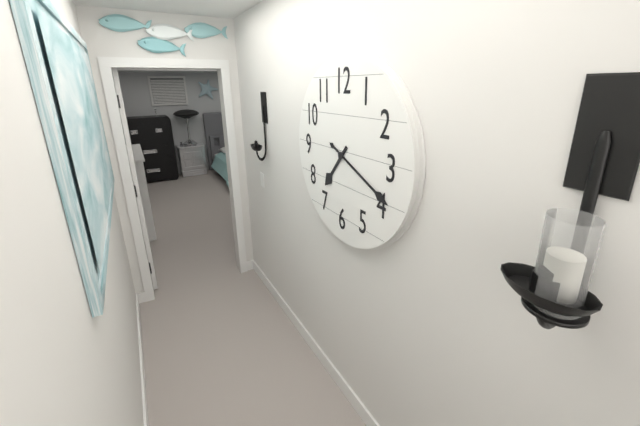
7:19
